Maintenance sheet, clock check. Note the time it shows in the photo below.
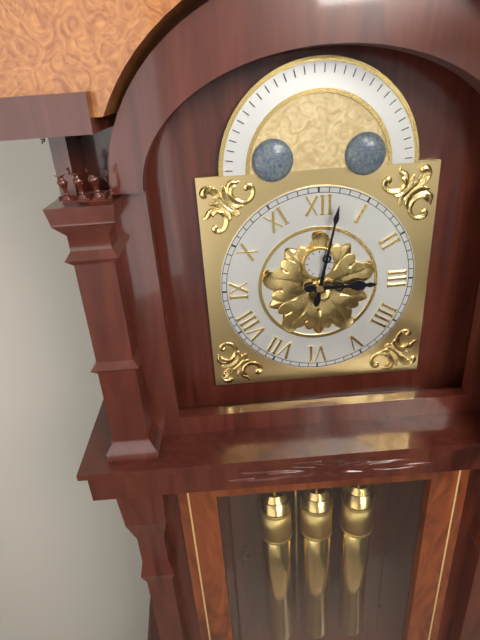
3:02
